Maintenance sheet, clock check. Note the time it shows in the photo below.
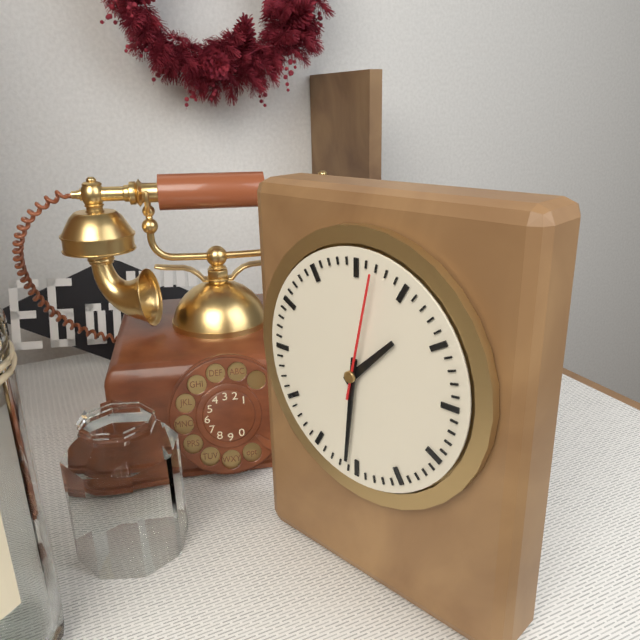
1:31:02
